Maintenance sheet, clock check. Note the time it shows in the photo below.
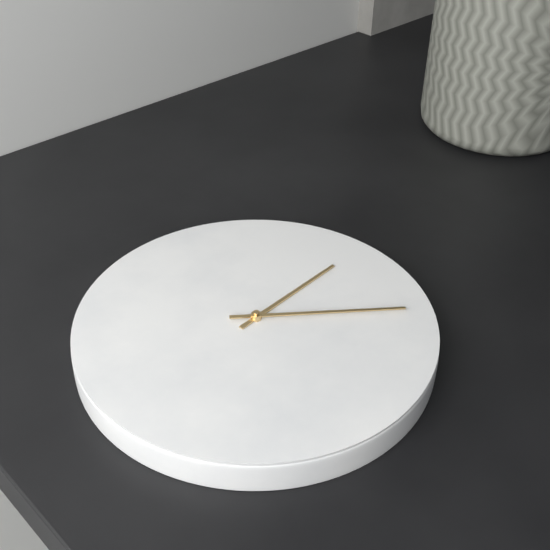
1:13
